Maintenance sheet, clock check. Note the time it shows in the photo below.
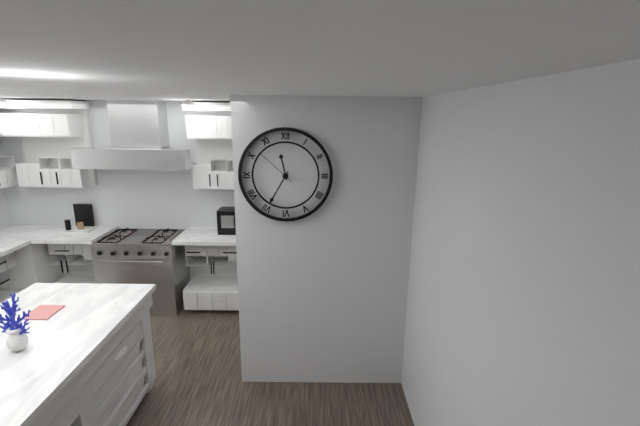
11:35
